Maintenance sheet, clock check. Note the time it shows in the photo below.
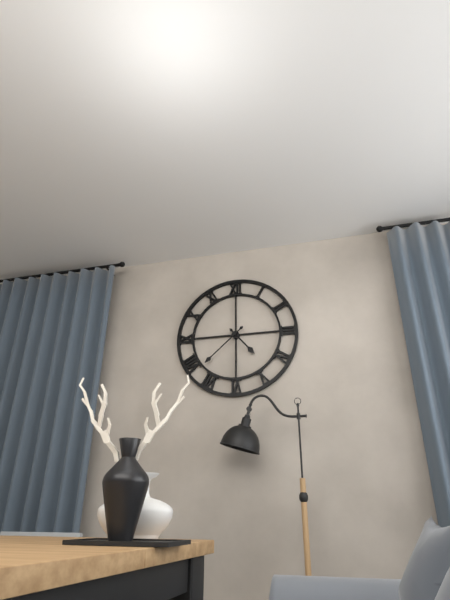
4:38
